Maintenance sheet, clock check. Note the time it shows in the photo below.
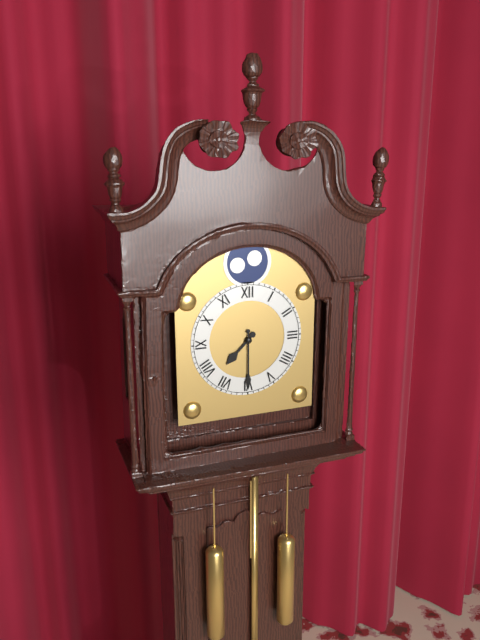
7:30
